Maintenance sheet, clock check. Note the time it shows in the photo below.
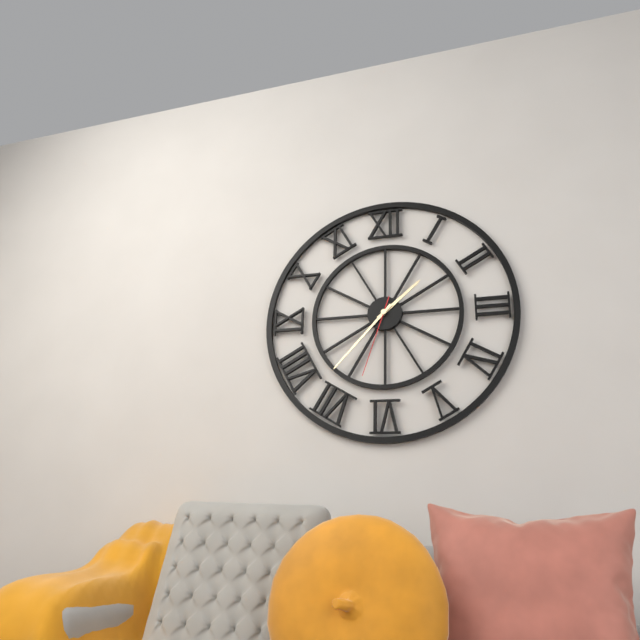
1:37:33
